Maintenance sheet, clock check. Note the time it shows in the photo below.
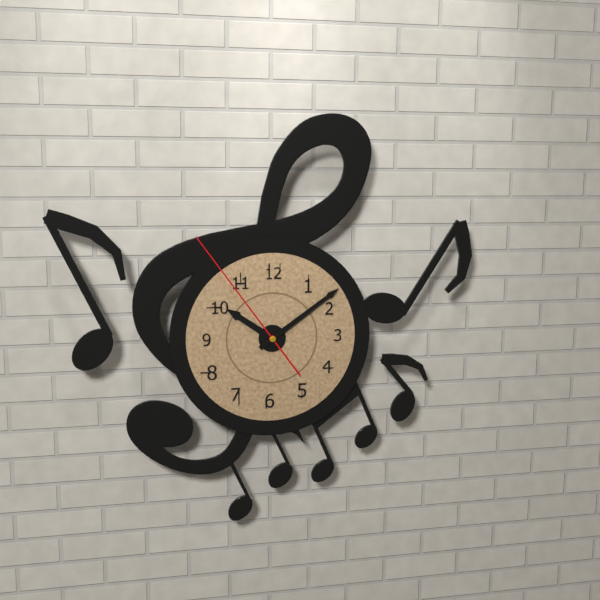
10:09:54
